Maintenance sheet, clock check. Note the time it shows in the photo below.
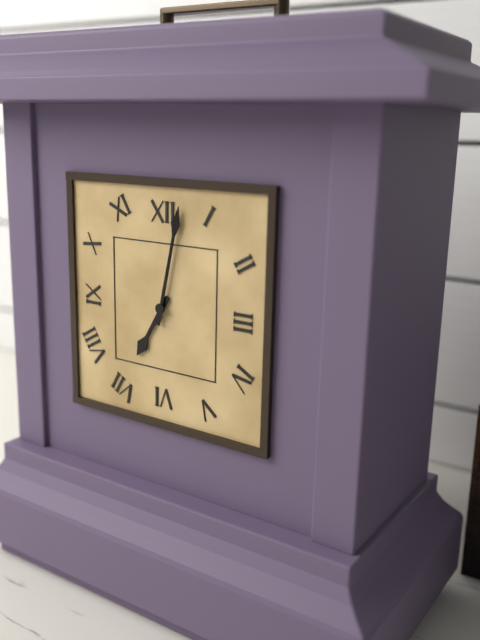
7:02
